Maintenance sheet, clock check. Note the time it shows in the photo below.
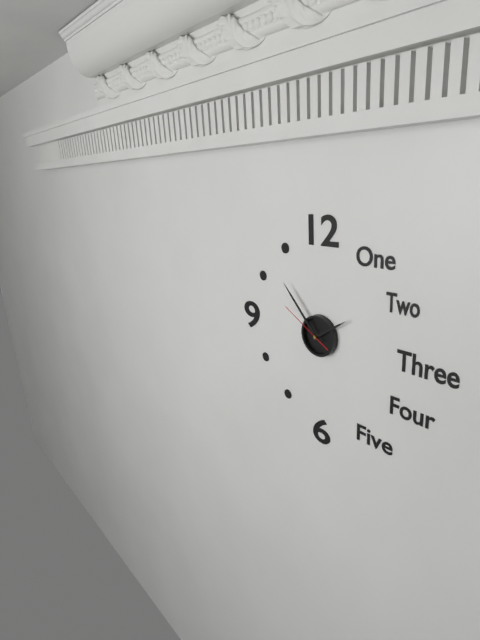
1:53:50
